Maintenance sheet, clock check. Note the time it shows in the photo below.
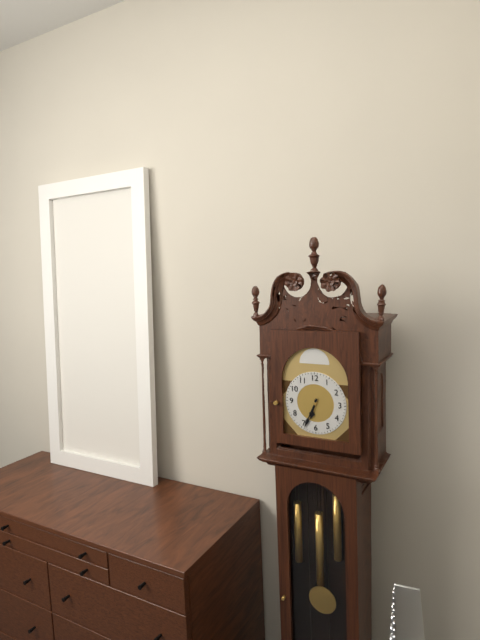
6:34
